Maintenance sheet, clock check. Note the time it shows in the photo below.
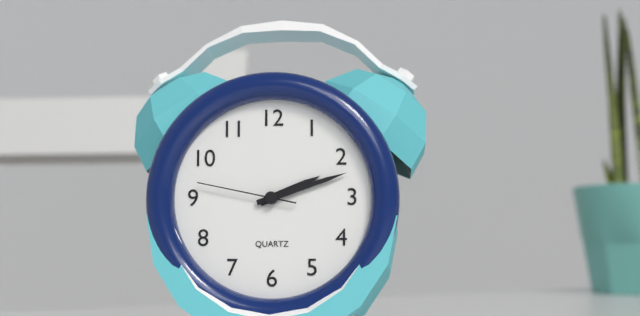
2:12:47
